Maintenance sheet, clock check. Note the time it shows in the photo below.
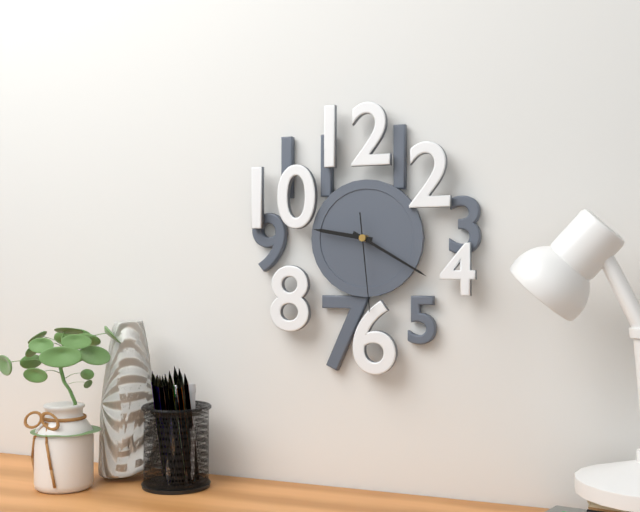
9:20:29
